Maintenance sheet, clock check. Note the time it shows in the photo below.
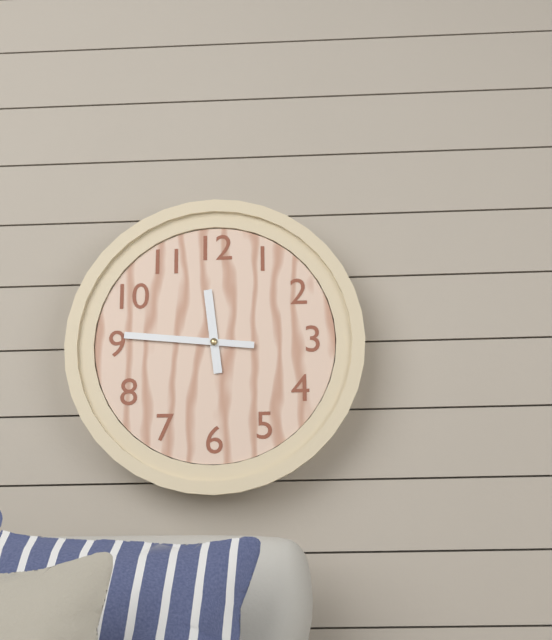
11:46
